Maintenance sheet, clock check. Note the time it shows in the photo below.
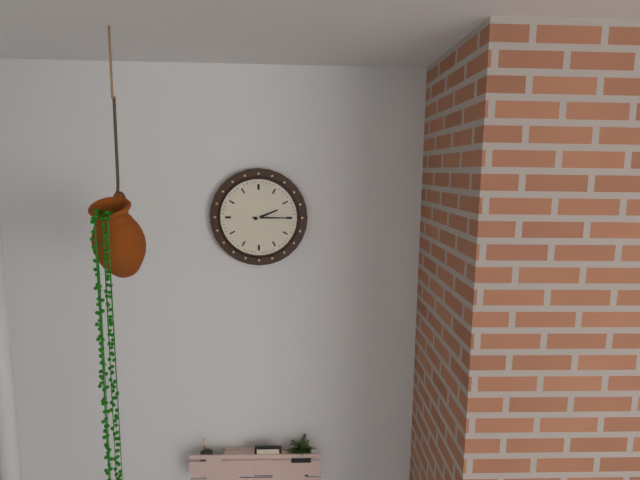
2:15
